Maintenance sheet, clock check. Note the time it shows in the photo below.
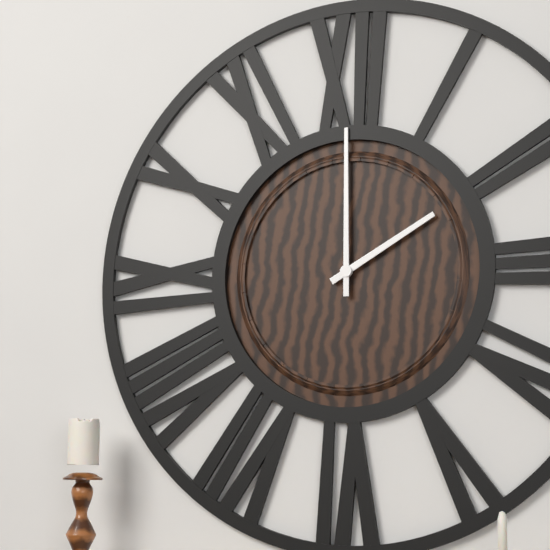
2:00
